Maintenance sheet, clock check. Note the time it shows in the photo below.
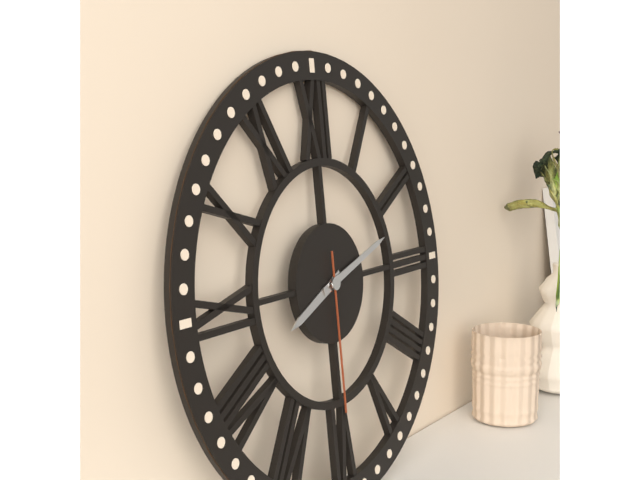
8:12:30
